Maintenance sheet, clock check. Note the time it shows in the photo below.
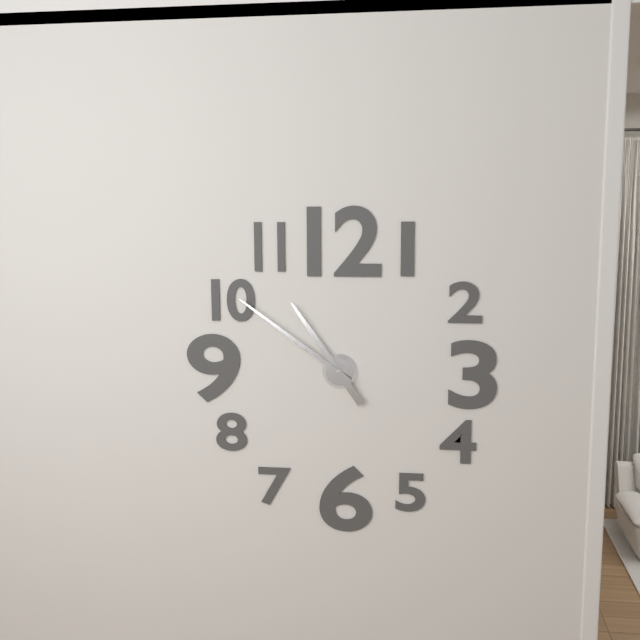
10:51
